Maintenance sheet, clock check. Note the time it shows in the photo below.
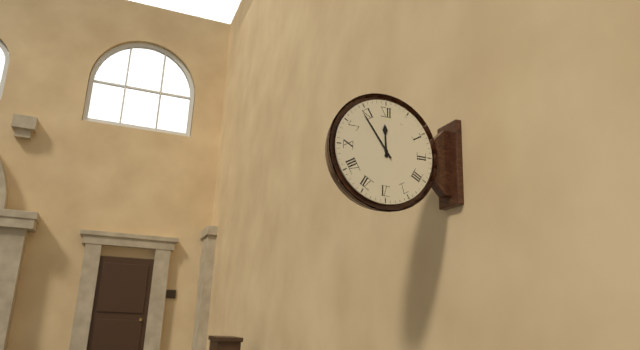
11:54
